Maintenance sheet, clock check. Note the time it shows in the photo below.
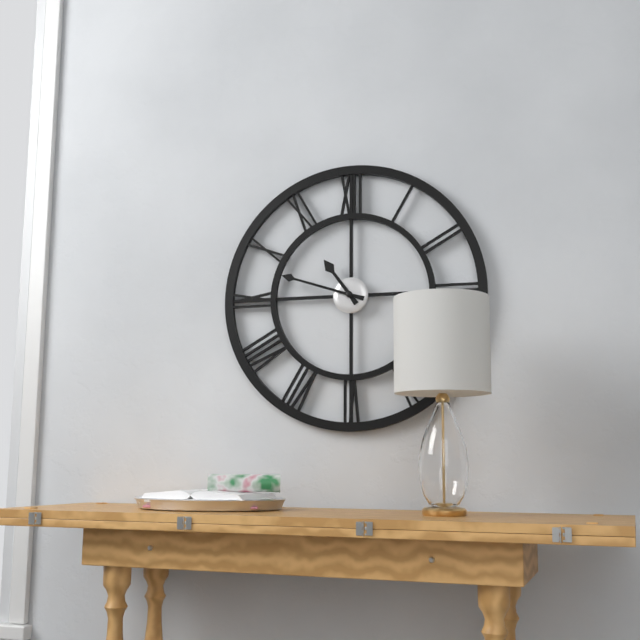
10:48
